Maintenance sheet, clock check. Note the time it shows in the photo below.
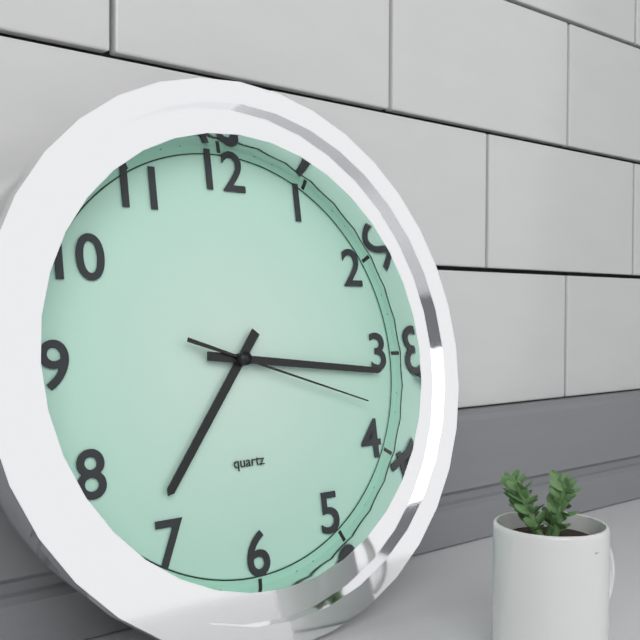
7:16:18
